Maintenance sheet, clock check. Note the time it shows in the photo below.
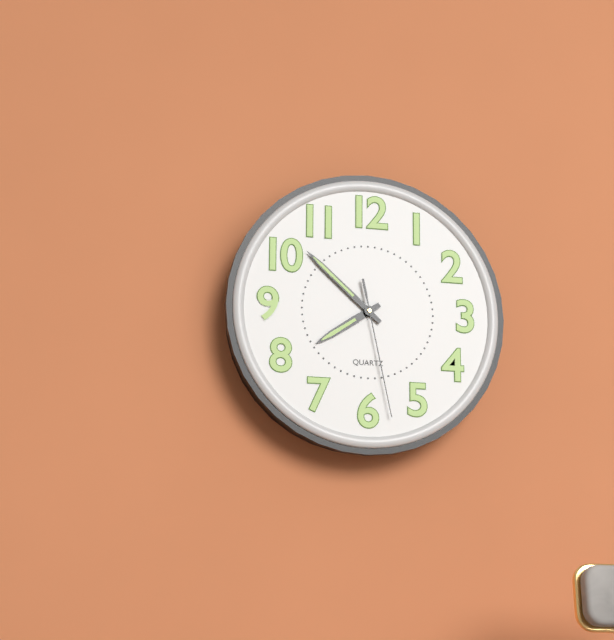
7:52:28
